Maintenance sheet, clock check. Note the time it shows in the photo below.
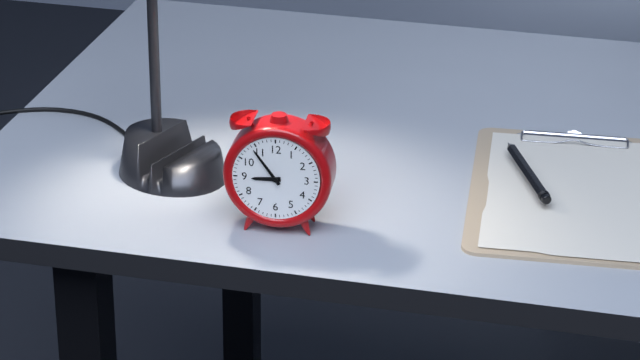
8:54
